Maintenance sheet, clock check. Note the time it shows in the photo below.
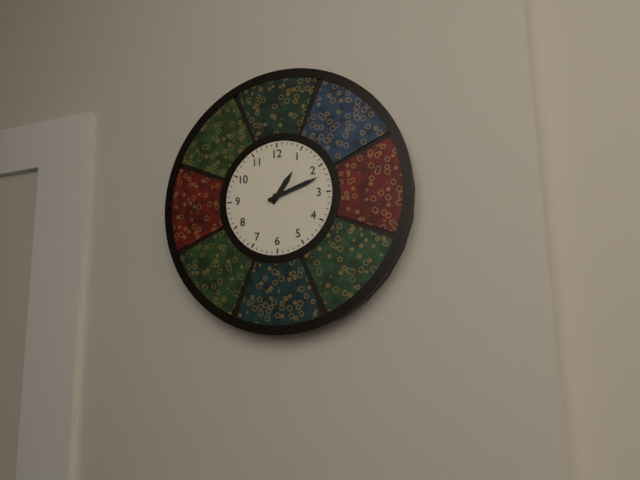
1:12
